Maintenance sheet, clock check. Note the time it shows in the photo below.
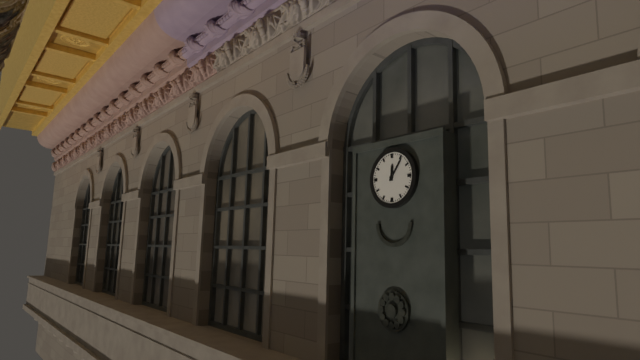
12:06
